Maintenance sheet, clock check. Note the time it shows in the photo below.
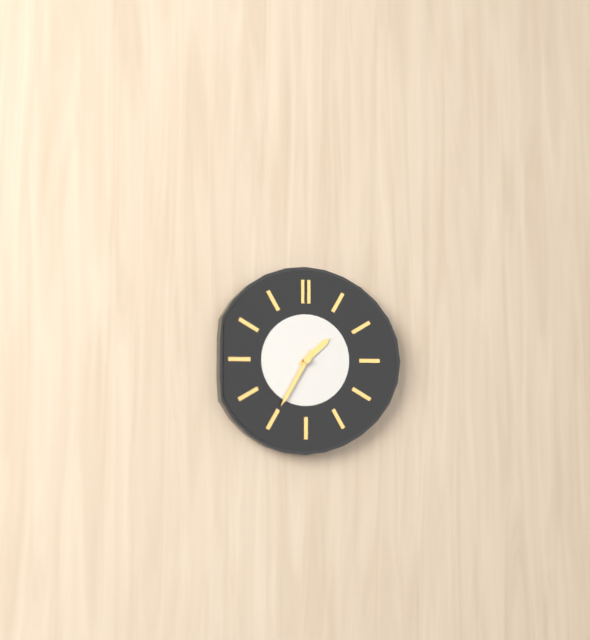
1:35
